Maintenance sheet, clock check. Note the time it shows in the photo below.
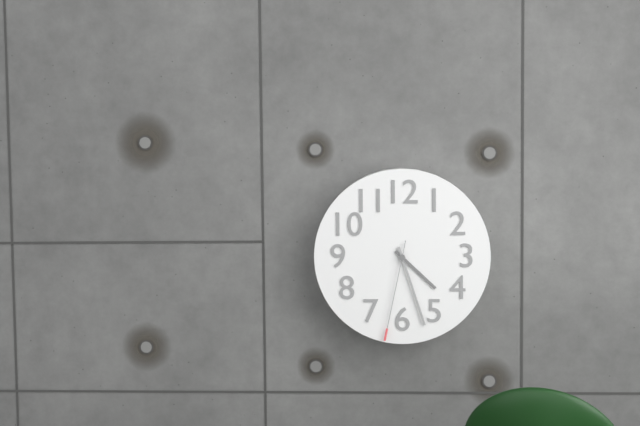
4:27:32
